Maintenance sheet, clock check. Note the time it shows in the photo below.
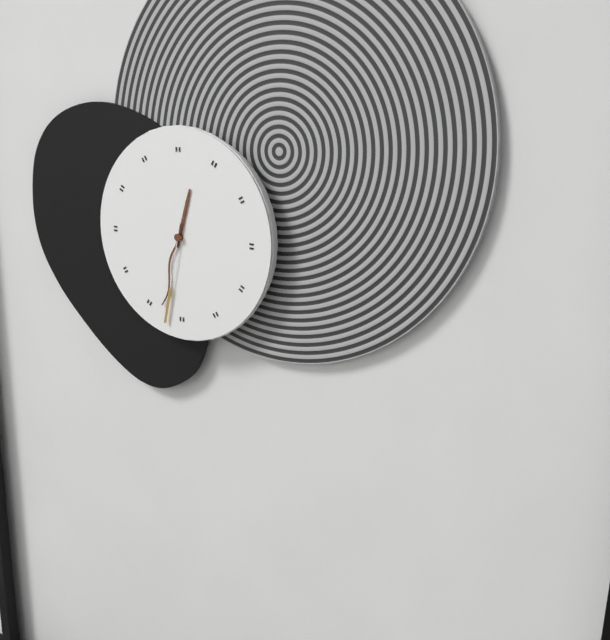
12:33:32
